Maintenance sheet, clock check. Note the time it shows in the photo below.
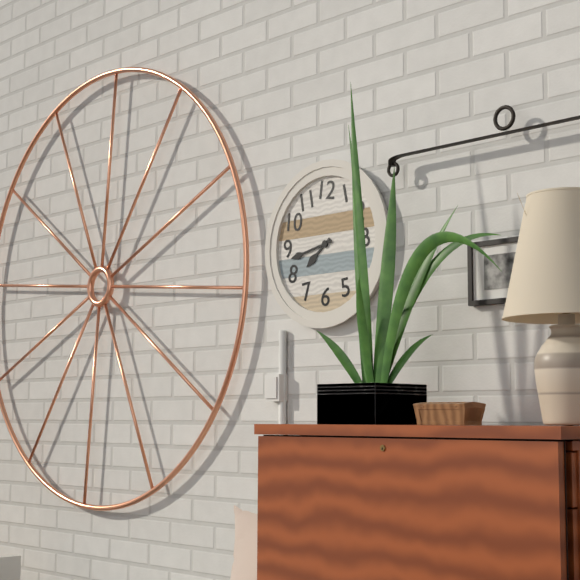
7:43
